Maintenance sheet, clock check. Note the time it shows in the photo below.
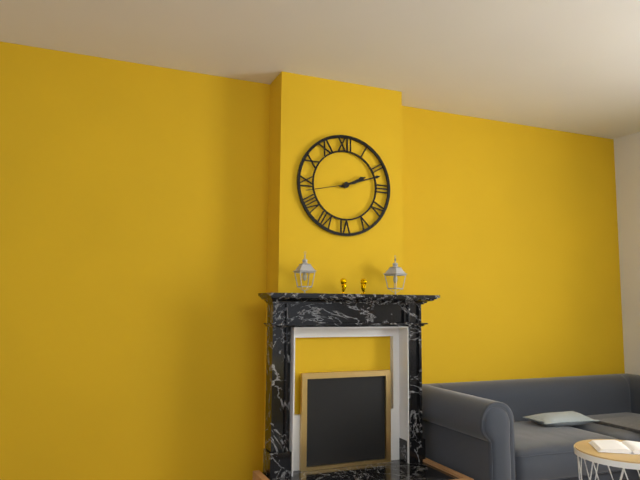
2:12
